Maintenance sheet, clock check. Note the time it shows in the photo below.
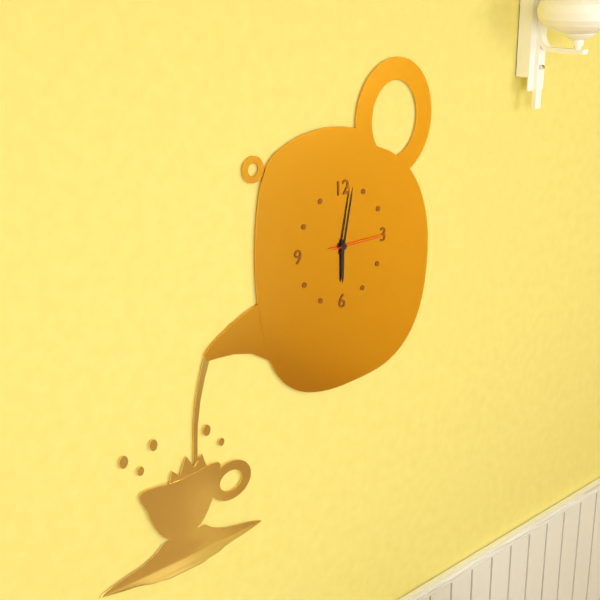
6:02:15
